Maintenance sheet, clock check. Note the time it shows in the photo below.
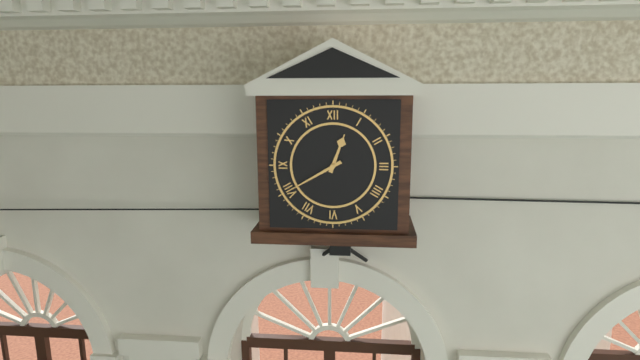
12:40
